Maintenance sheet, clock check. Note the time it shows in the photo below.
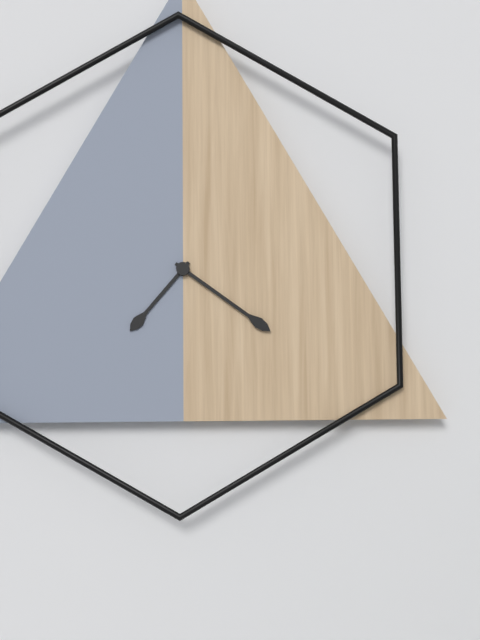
7:21
